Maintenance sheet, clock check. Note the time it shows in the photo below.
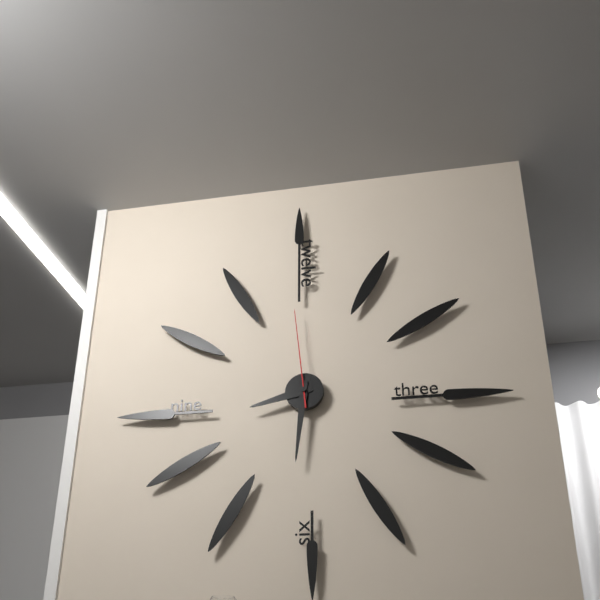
8:31:59
